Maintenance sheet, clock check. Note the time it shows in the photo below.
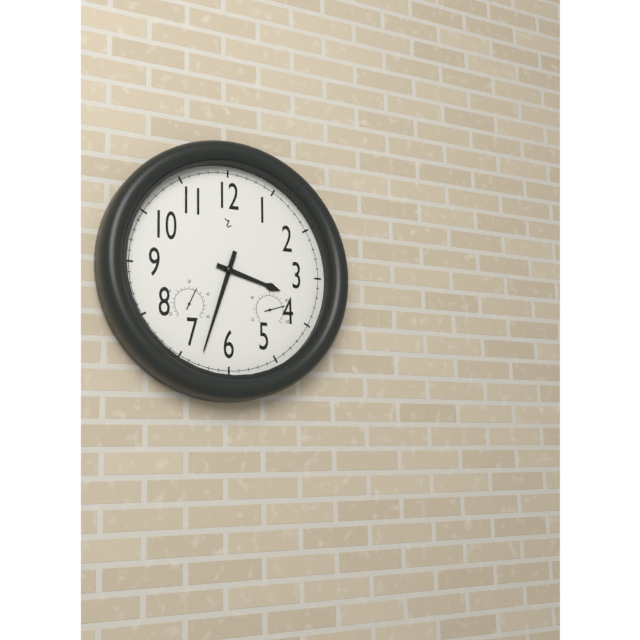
3:33
